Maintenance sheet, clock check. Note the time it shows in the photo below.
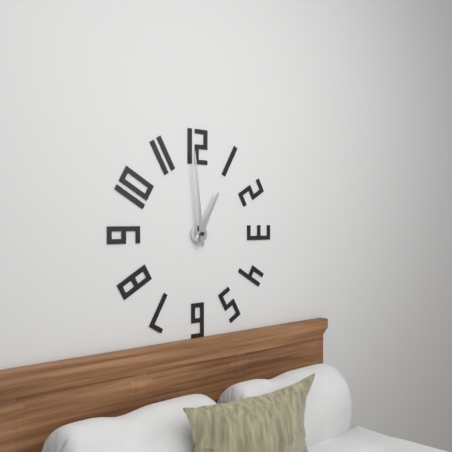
12:59
